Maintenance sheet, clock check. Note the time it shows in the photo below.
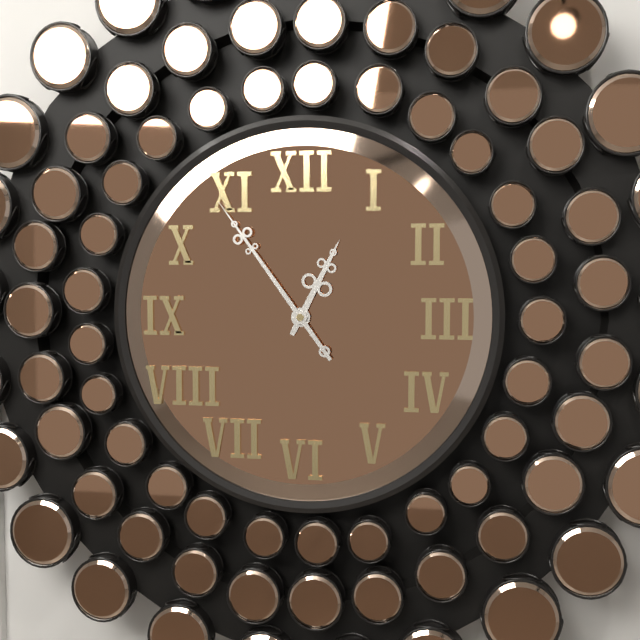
12:54
